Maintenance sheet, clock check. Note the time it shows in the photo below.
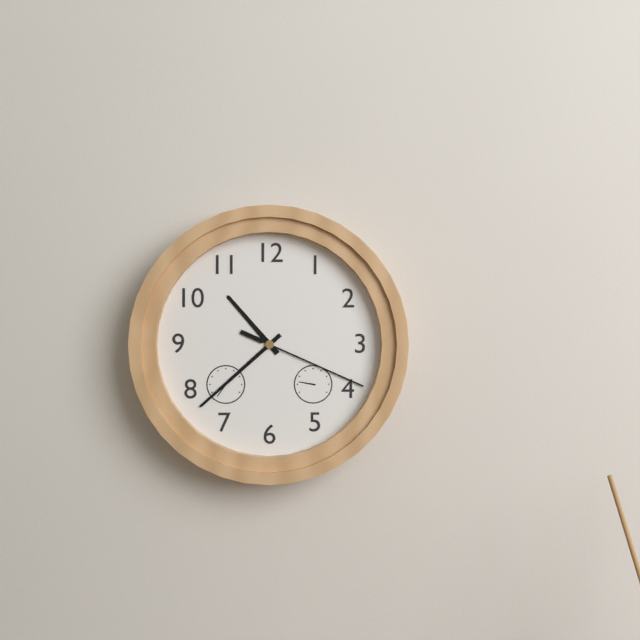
10:38:19
